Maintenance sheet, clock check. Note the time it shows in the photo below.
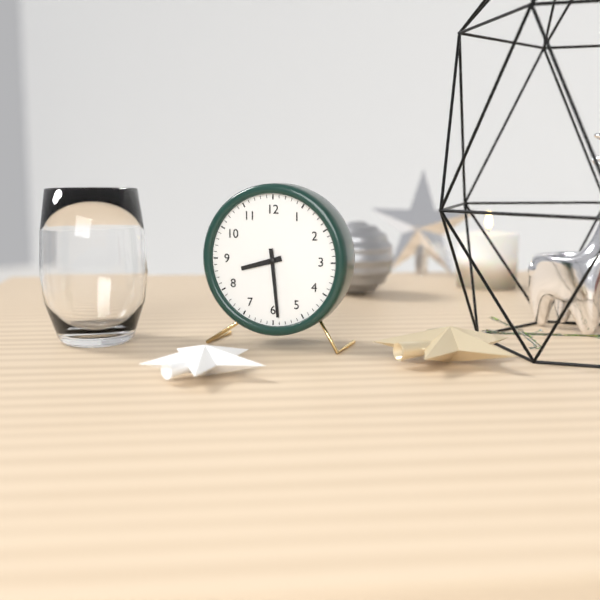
8:29
